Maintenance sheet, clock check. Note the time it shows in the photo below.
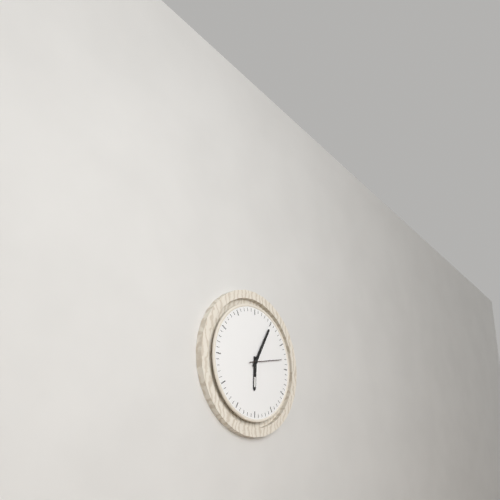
6:05
